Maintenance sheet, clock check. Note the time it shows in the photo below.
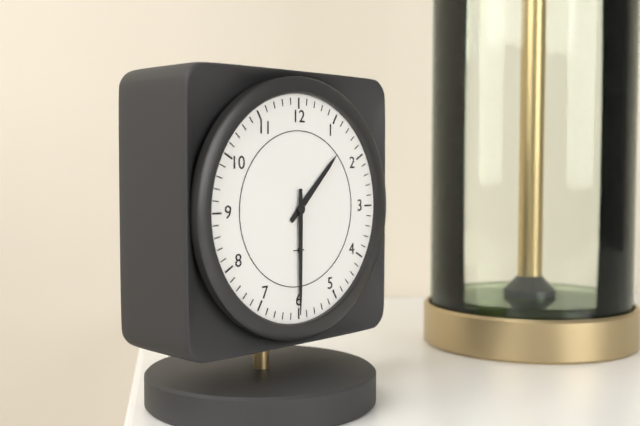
1:30
